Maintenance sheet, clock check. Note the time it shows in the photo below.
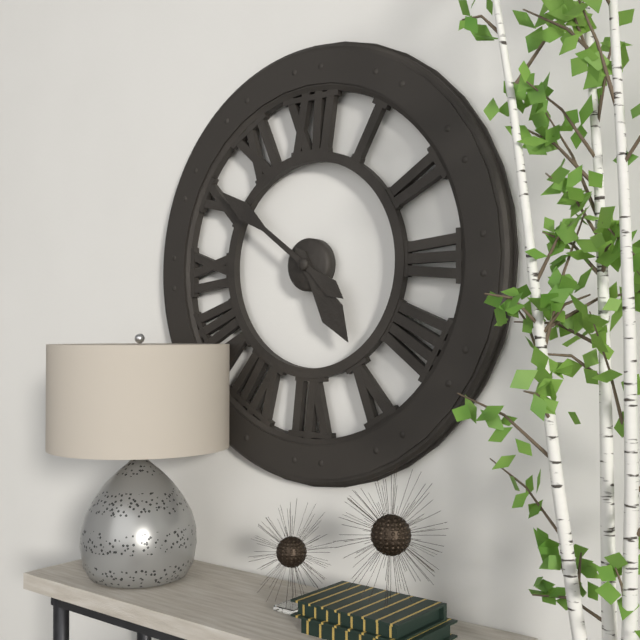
4:51
